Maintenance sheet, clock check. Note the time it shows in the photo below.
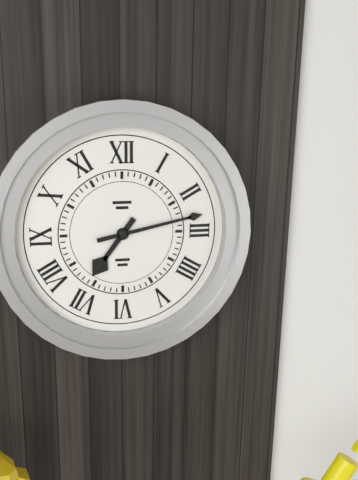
7:13
